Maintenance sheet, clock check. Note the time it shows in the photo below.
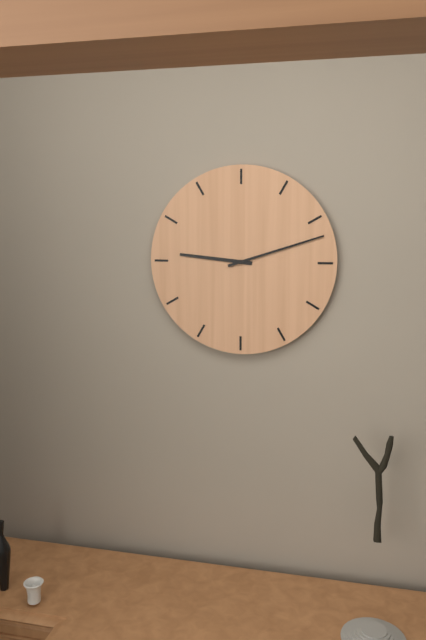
9:12
